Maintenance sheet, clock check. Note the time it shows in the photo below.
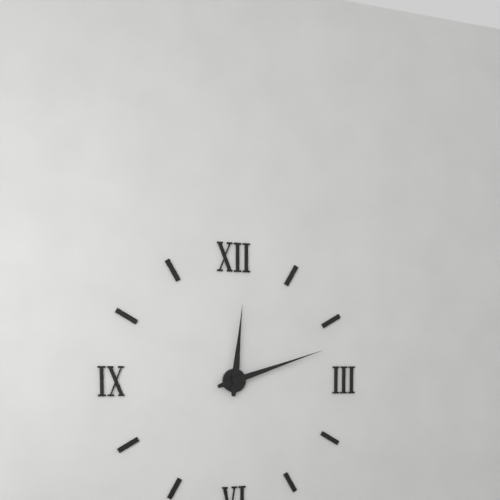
12:12
